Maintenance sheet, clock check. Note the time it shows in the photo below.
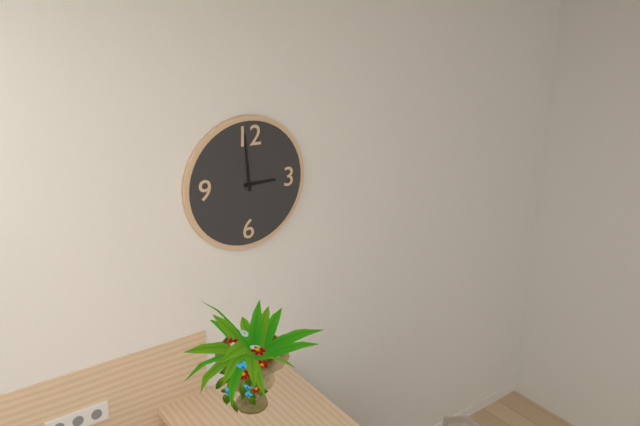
2:59
